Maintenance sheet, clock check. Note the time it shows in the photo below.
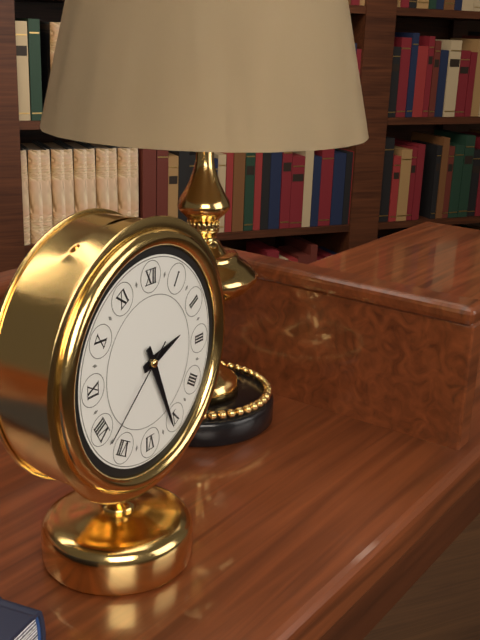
2:26:38
